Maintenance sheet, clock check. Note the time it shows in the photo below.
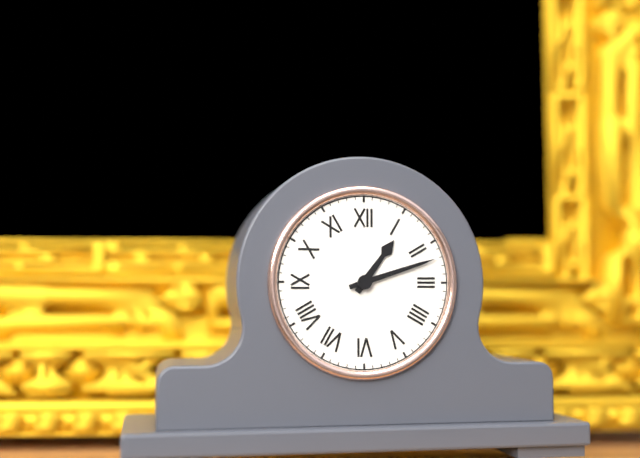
1:12
